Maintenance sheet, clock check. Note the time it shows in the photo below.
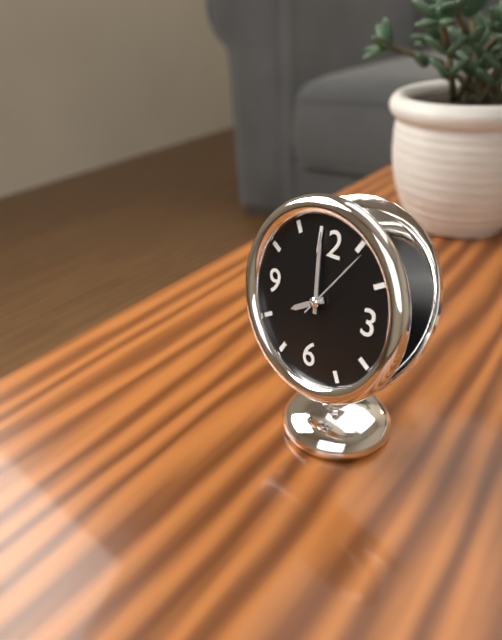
7:59:06
